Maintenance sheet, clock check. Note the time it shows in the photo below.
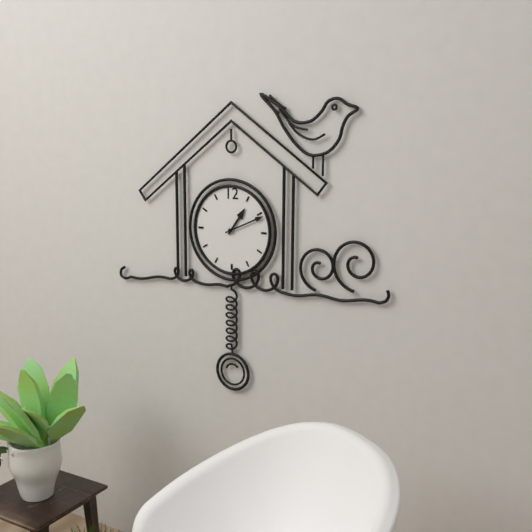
1:11
